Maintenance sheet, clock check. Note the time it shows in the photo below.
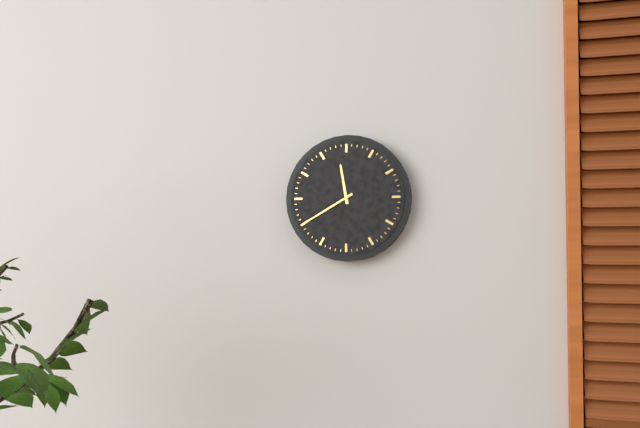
11:40
